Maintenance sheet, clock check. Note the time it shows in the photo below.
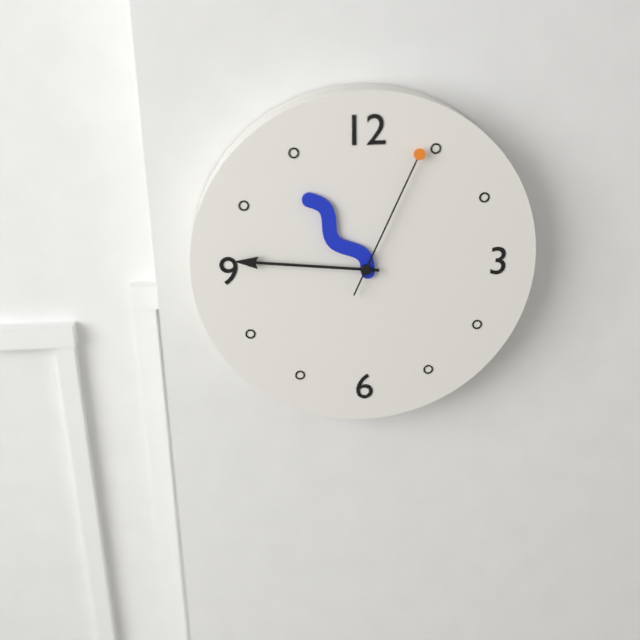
10:46:04
